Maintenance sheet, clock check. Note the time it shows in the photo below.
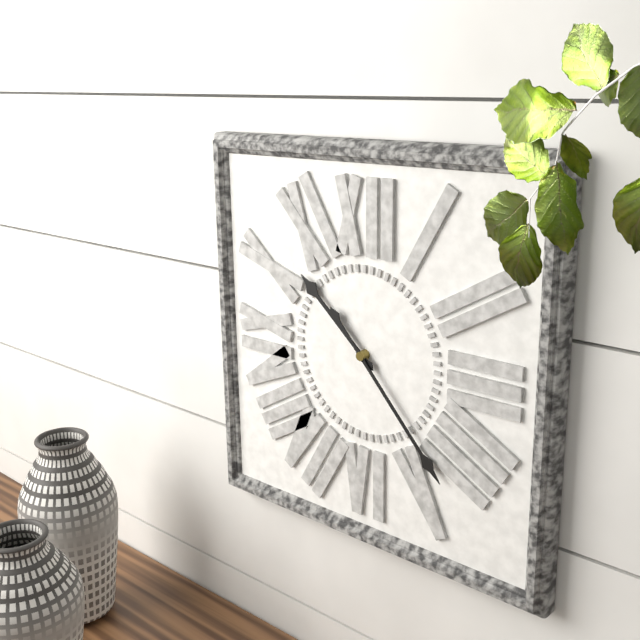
10:23
